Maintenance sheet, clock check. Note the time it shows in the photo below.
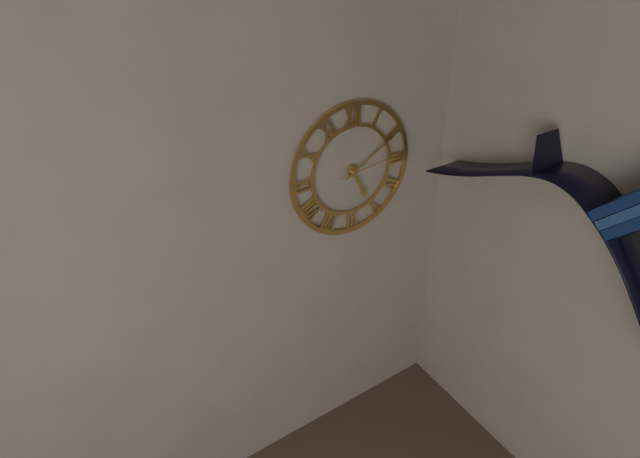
5:10:14
